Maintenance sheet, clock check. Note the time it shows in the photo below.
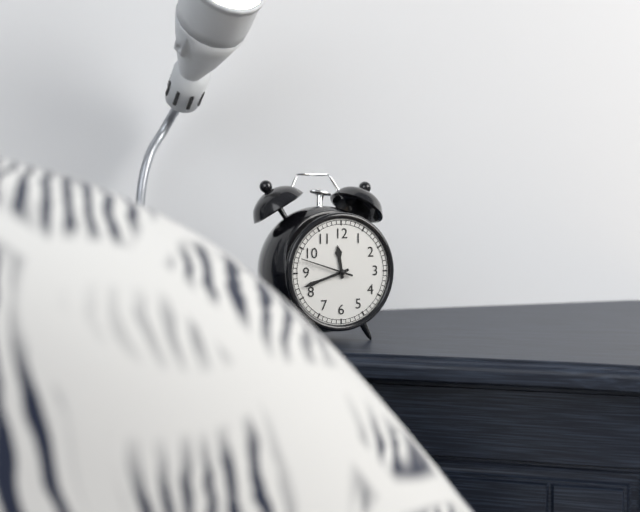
11:42:48
